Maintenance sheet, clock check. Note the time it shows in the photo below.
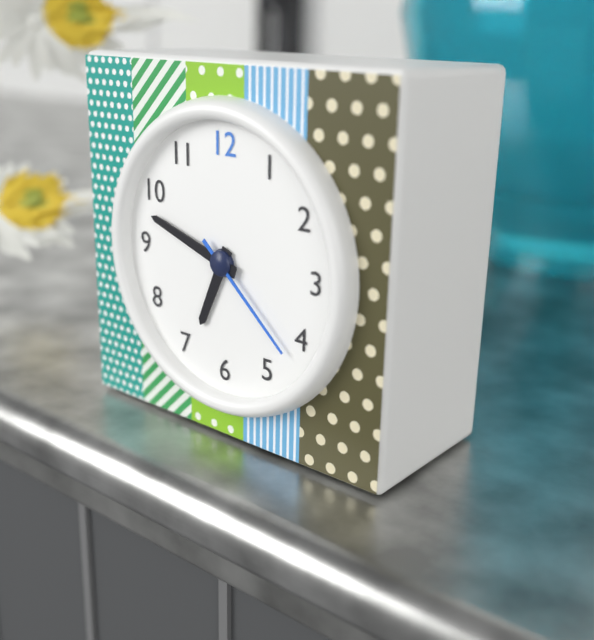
6:48:22
